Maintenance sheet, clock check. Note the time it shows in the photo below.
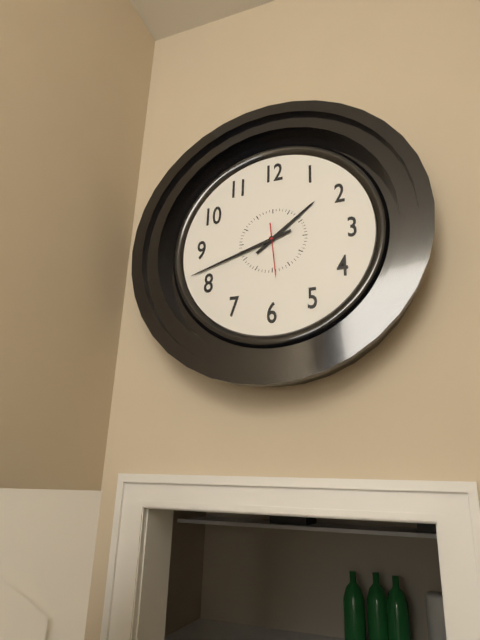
1:42
